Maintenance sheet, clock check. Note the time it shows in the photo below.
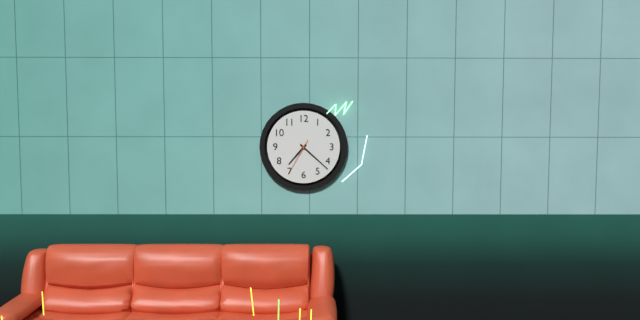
7:22
